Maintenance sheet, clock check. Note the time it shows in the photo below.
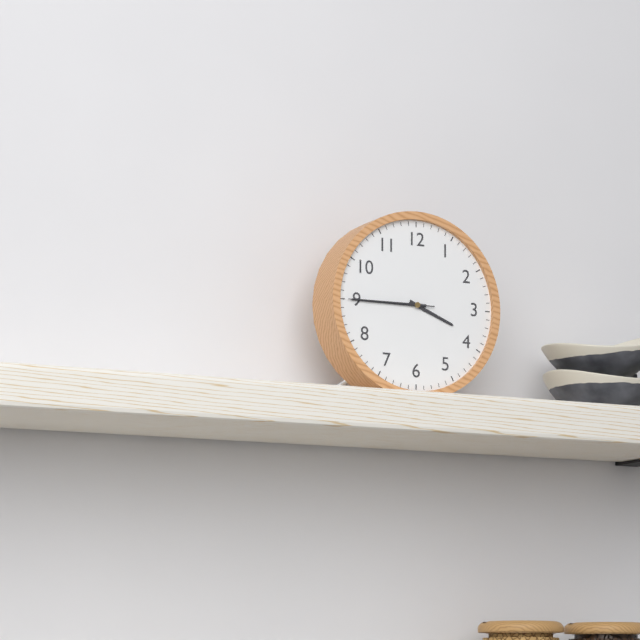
3:45:45
